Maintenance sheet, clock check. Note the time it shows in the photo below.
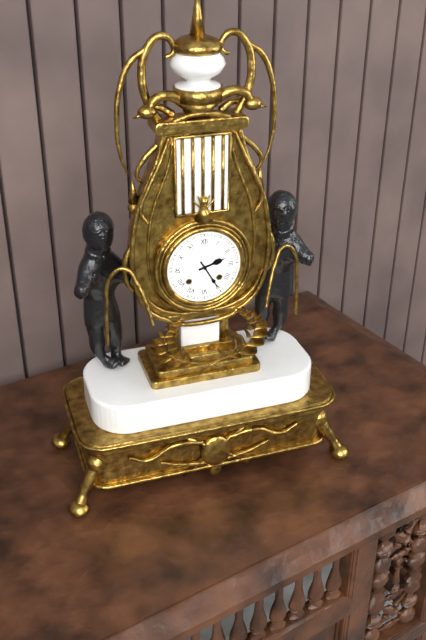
2:25
